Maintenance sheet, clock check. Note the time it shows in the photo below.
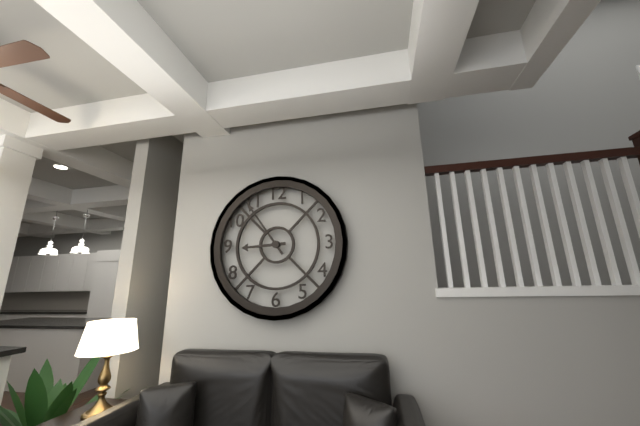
8:54
